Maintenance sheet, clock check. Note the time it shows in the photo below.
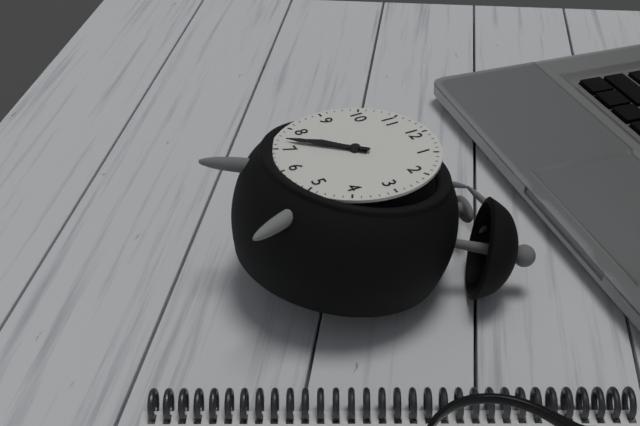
7:37
